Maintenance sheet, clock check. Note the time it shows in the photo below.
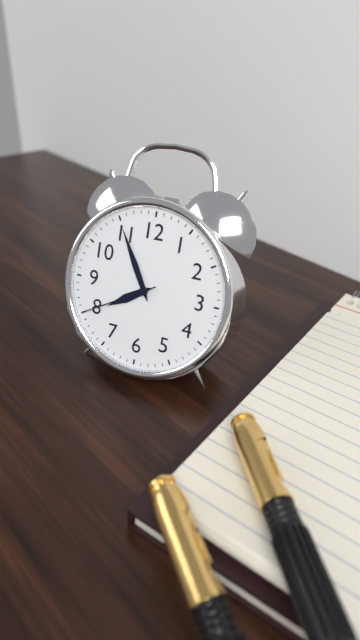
7:55:40
